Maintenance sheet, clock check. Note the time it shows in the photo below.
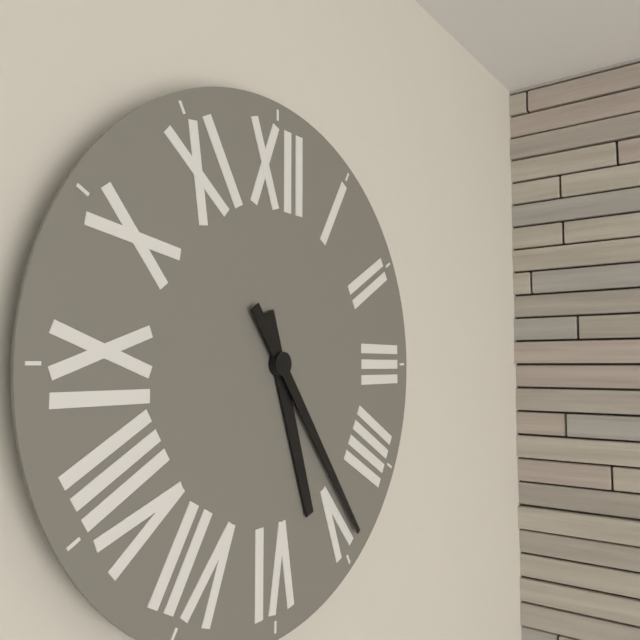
5:24
